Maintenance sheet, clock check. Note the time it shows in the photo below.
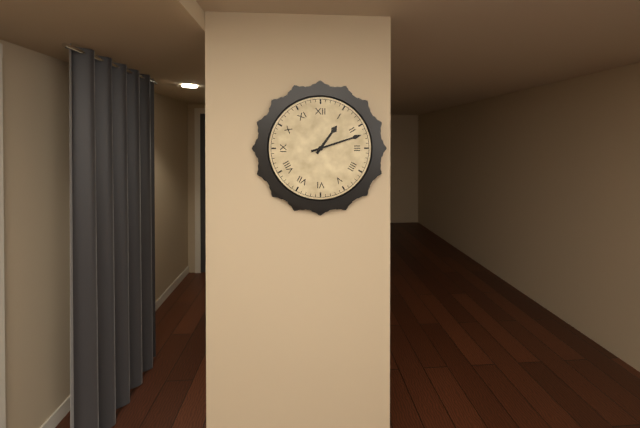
1:12
